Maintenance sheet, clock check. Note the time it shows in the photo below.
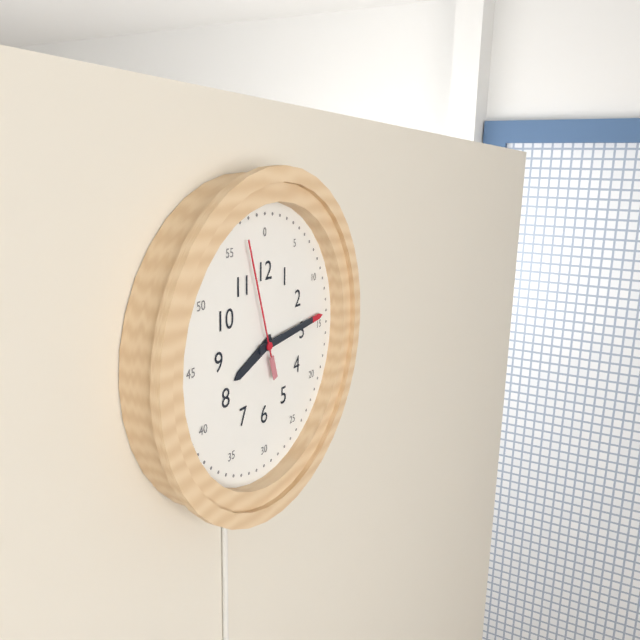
8:14:57
